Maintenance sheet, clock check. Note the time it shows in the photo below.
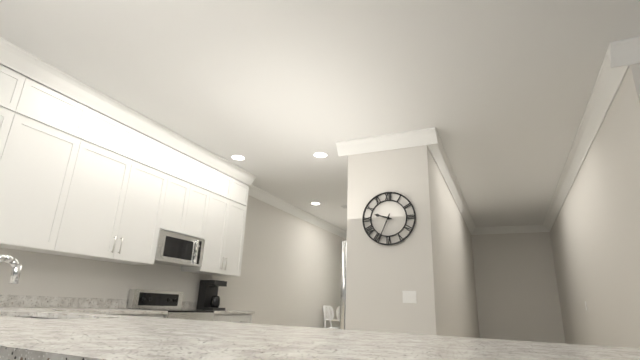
9:34
